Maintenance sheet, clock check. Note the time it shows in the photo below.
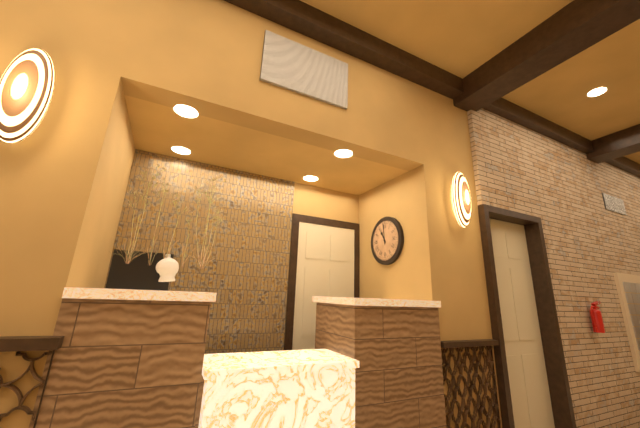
10:59
